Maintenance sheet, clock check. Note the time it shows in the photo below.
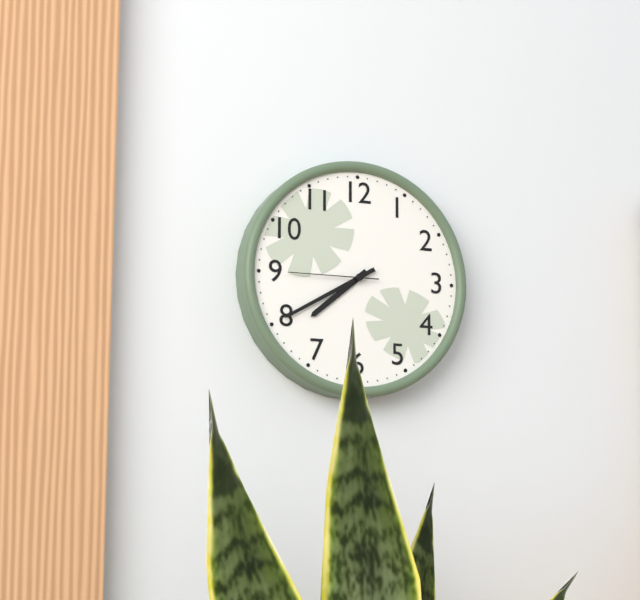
7:40:45
